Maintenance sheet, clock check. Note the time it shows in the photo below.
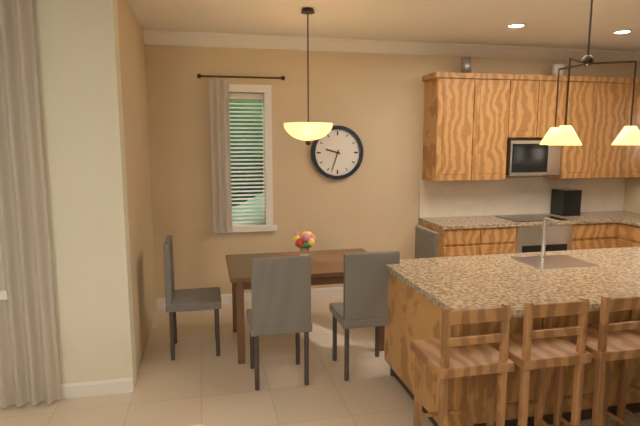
9:33
